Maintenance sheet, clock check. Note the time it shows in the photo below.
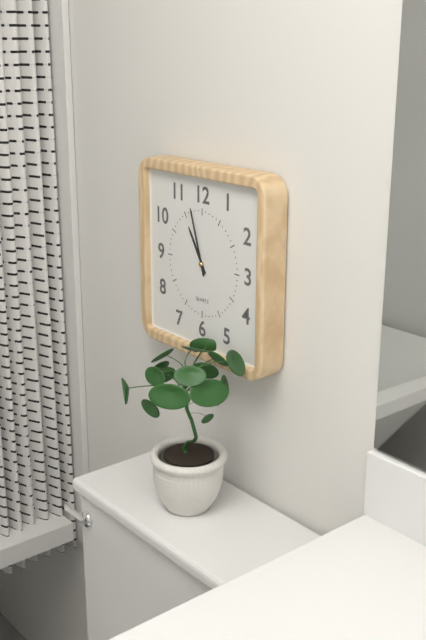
10:57
